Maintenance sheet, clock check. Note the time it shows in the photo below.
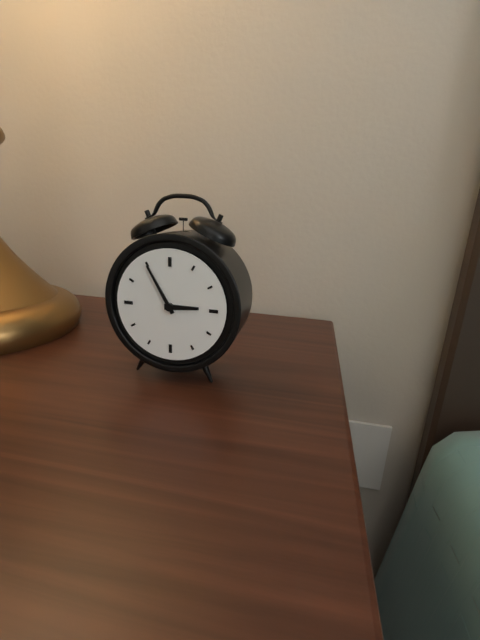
2:55
